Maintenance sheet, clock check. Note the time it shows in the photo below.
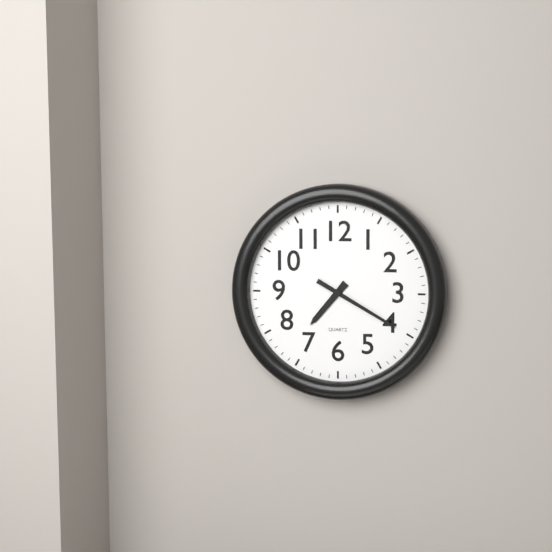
7:20
